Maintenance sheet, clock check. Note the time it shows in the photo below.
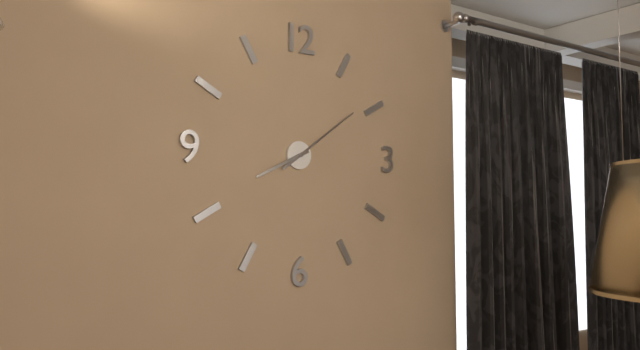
8:09
